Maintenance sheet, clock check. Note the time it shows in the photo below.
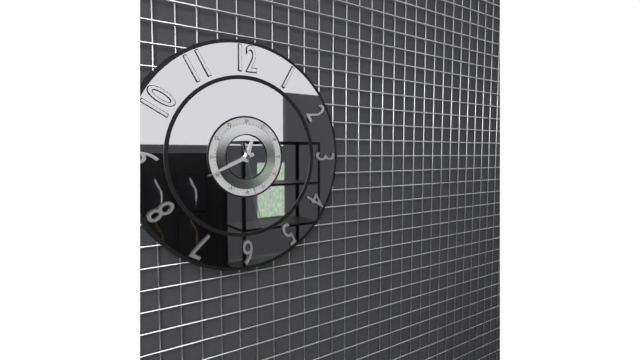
12:41:28
